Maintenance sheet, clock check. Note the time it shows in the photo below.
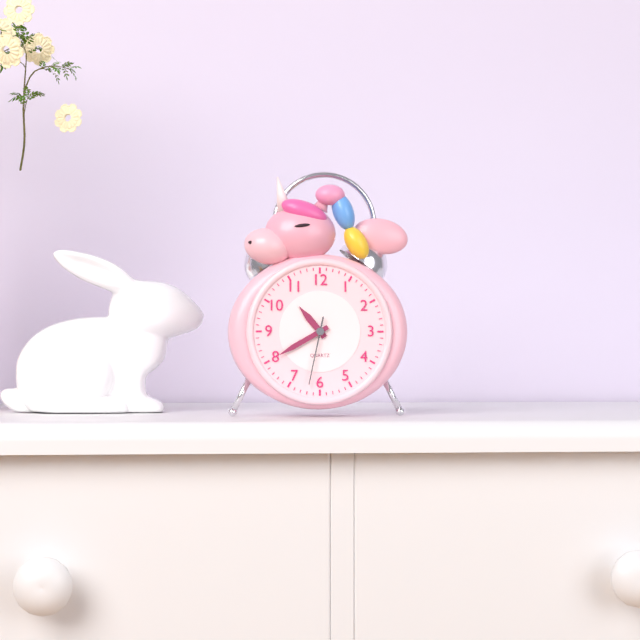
10:40:32
